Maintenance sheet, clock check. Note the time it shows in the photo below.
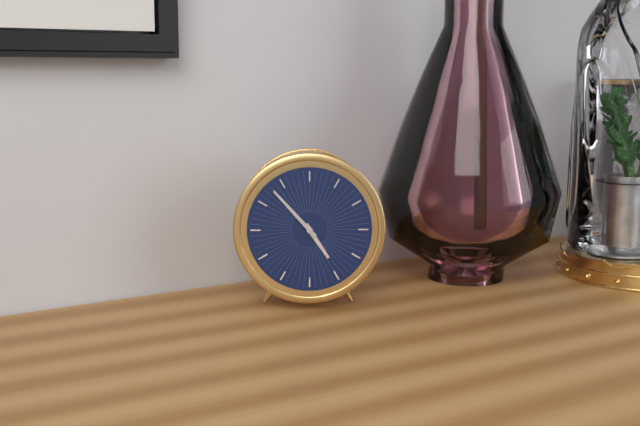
4:53
